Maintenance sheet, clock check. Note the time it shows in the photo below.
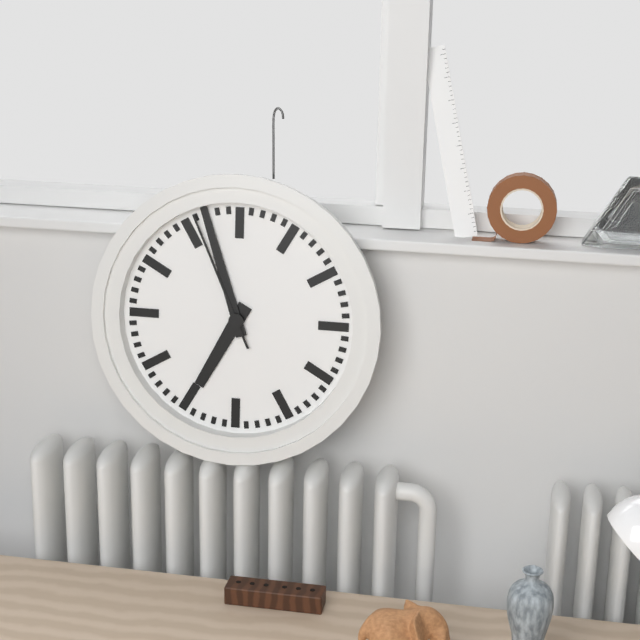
6:57:56
